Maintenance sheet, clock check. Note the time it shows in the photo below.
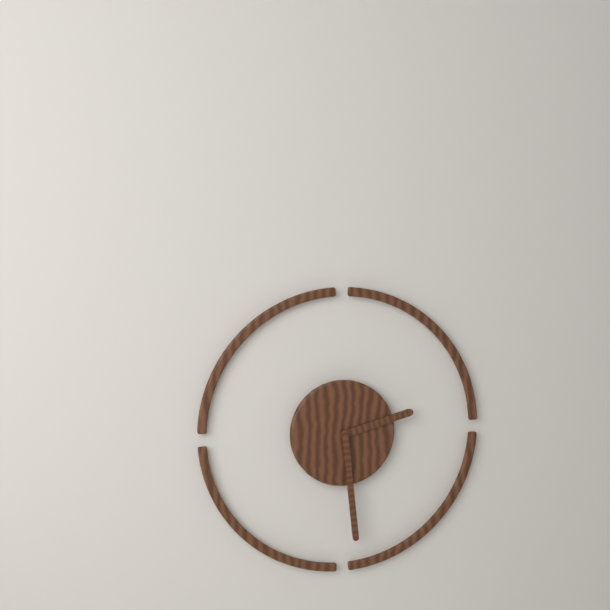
2:29
